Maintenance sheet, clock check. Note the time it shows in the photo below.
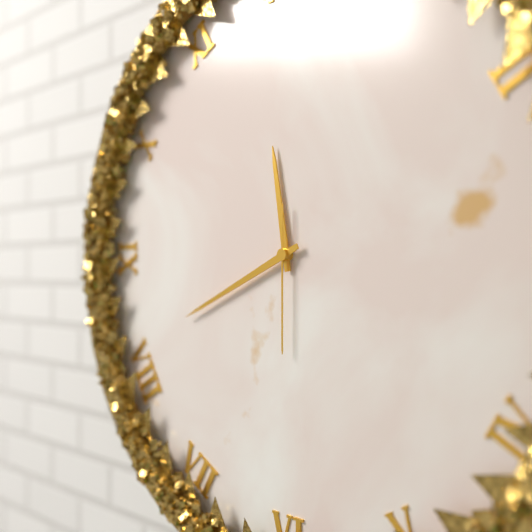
11:41:30
